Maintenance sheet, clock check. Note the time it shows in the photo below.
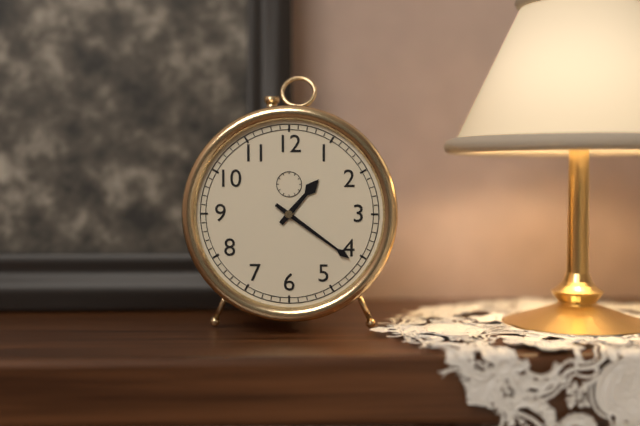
1:21
